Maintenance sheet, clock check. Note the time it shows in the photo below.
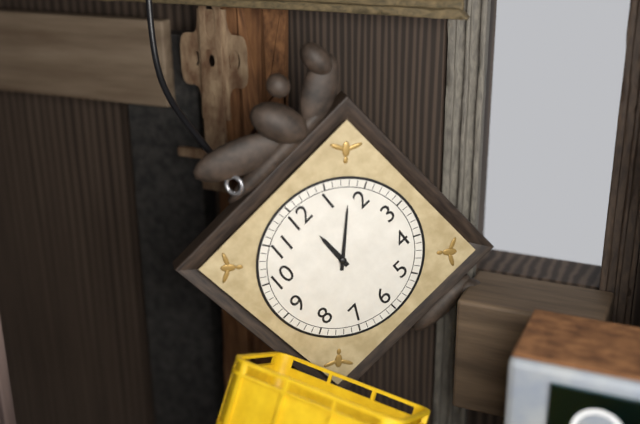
12:08
